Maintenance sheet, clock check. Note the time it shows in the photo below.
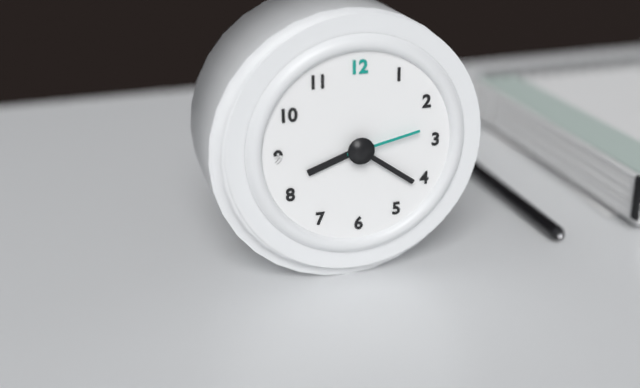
8:21:13
